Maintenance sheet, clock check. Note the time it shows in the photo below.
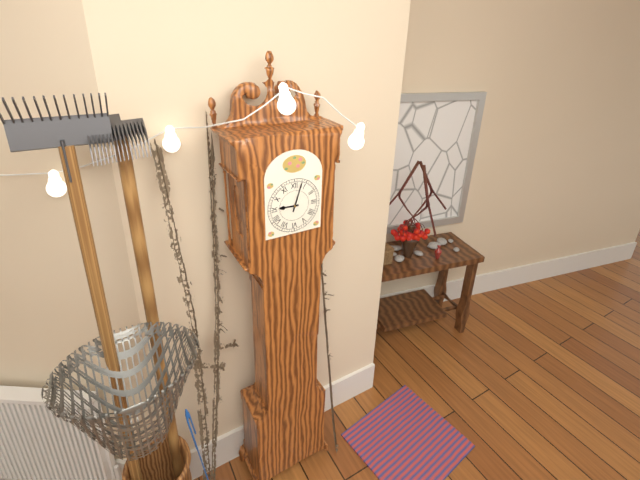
9:03
